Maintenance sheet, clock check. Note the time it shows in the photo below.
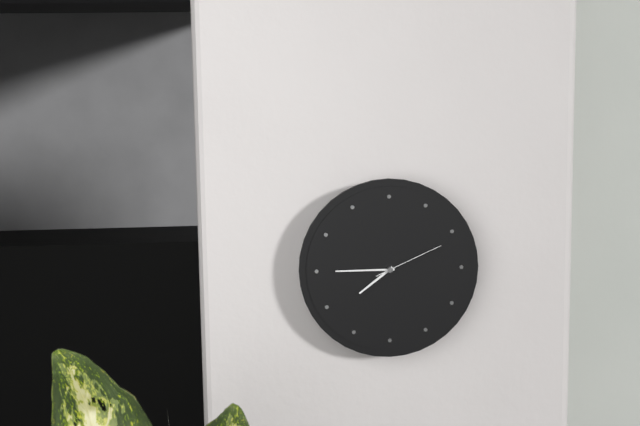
7:45:11
